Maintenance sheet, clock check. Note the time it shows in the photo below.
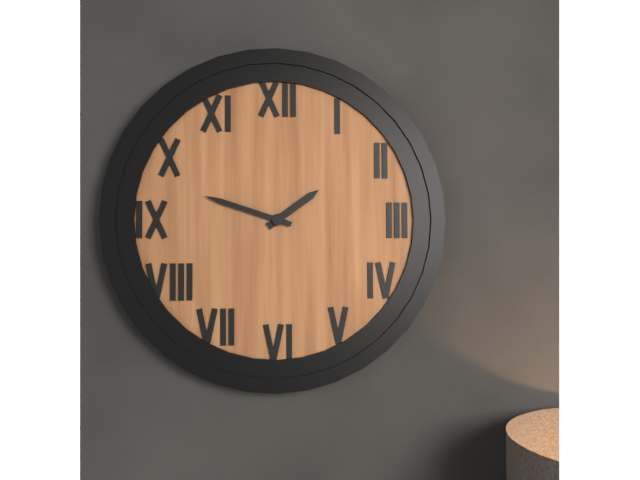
1:48
